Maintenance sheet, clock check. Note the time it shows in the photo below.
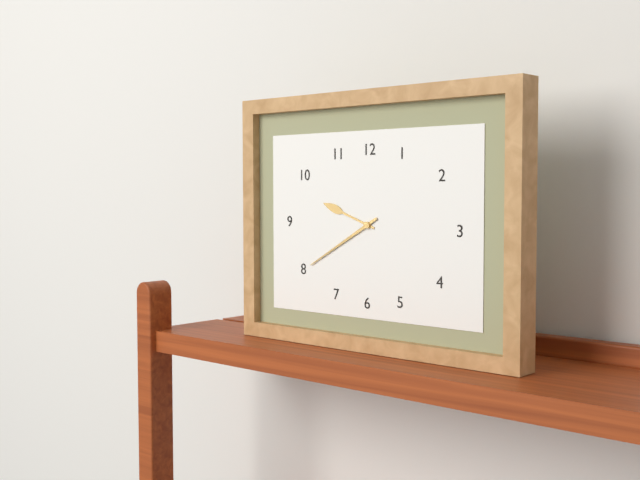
9:40
